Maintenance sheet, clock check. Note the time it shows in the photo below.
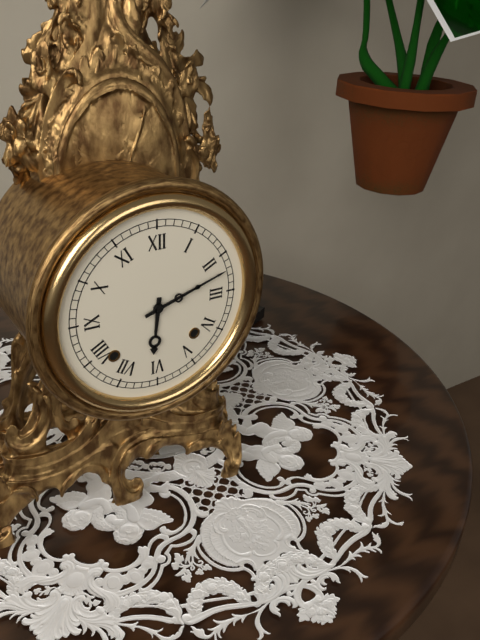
6:12
